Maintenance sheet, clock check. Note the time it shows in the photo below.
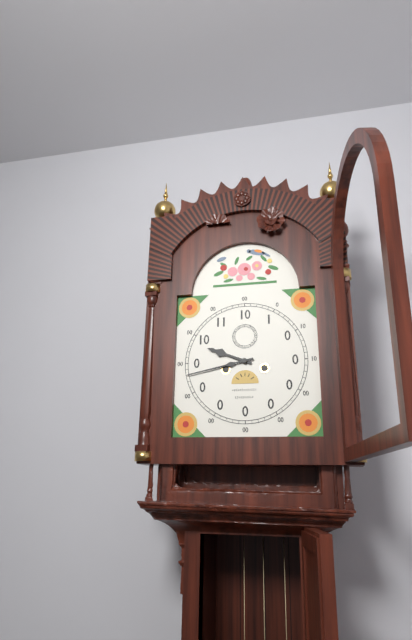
9:43
